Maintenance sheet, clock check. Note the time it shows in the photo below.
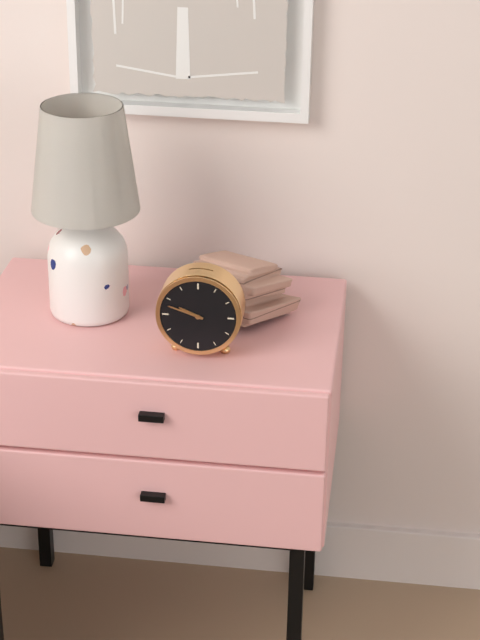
9:48
